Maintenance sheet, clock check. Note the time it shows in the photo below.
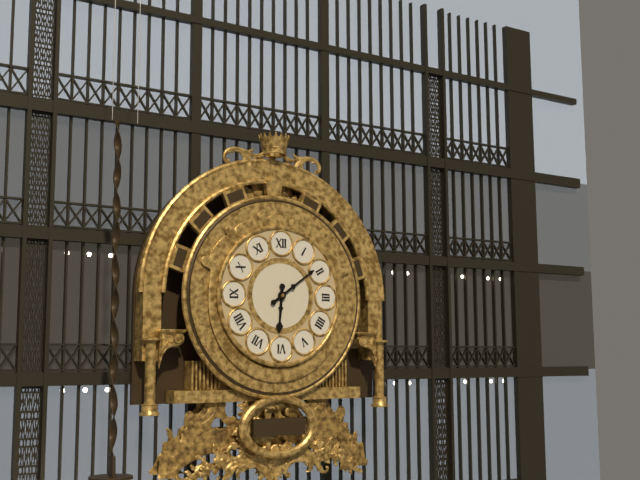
6:09
